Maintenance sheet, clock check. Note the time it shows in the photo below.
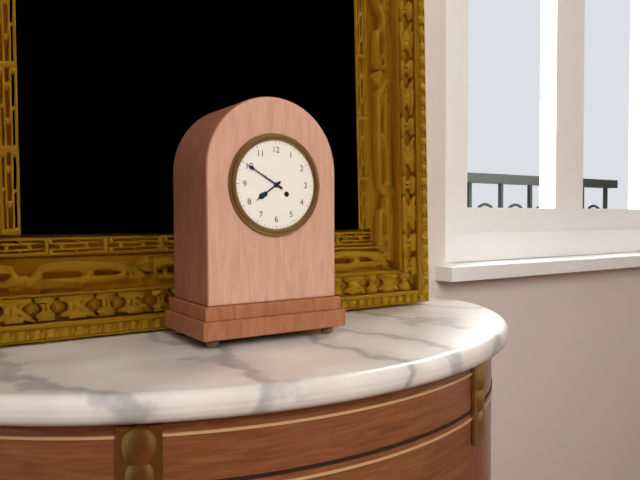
7:50
